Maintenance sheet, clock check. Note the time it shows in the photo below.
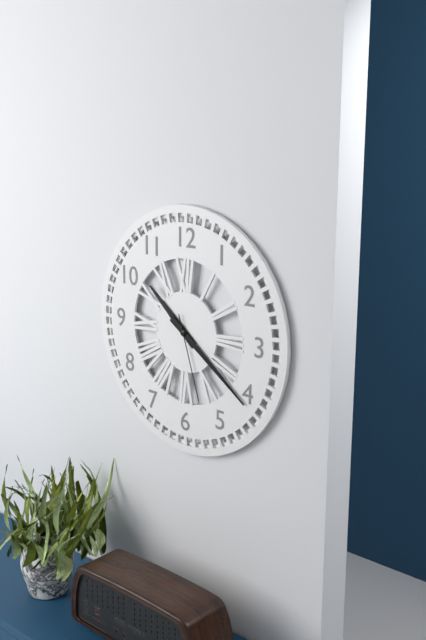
10:21:27
